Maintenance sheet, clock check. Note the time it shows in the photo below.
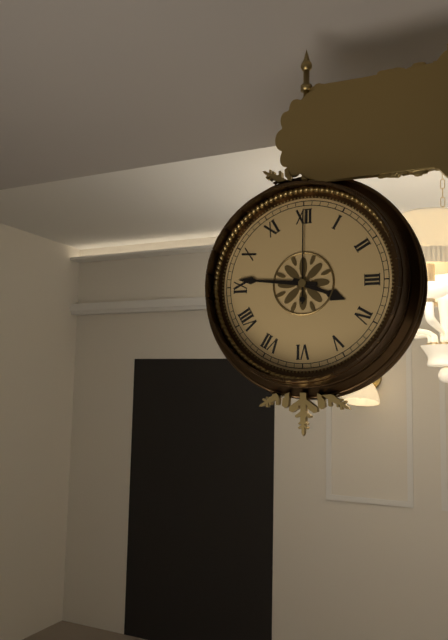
3:46:00
